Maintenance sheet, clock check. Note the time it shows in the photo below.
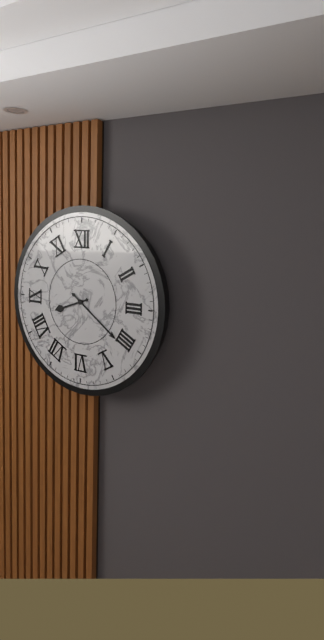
8:21
